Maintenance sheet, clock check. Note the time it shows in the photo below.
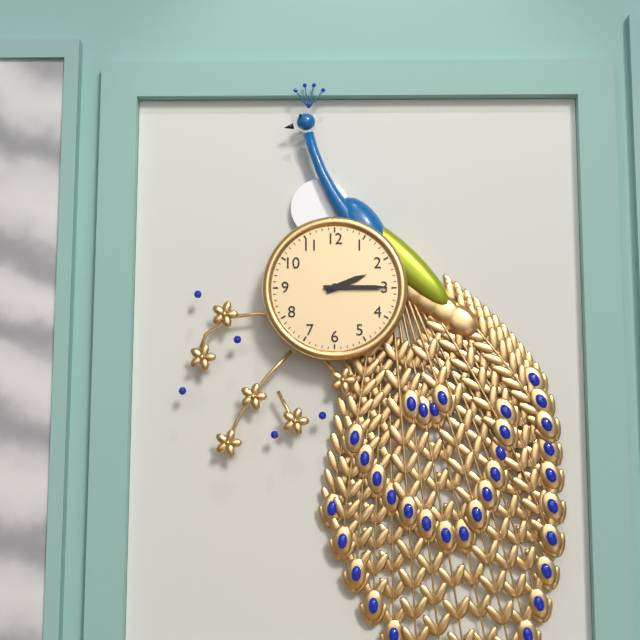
2:15
